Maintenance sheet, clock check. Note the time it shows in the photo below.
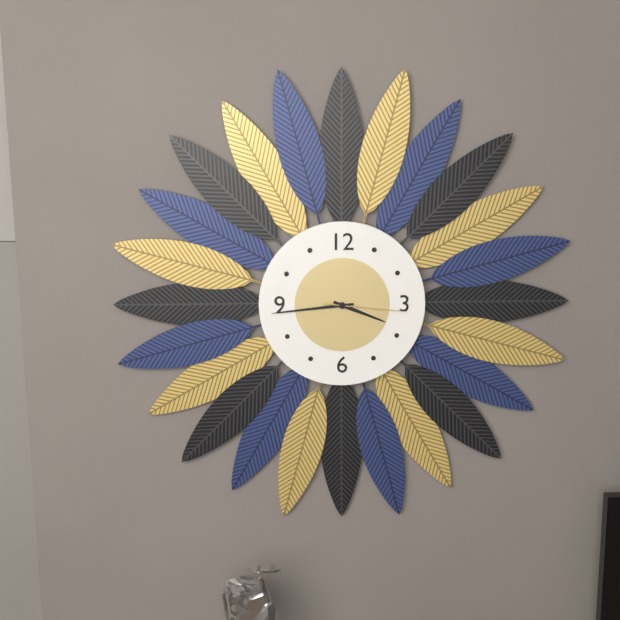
3:44:16
